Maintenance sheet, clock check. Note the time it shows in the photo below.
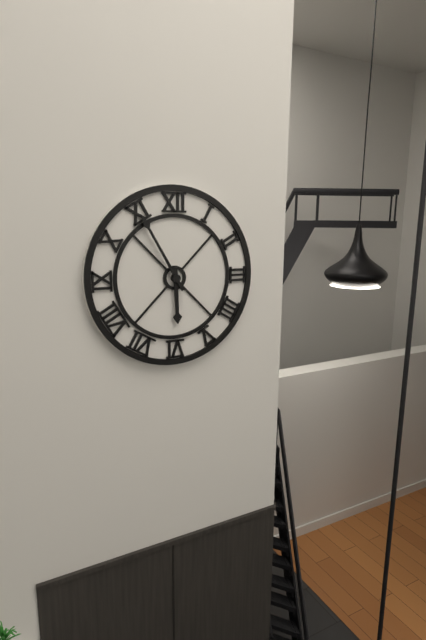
5:55
